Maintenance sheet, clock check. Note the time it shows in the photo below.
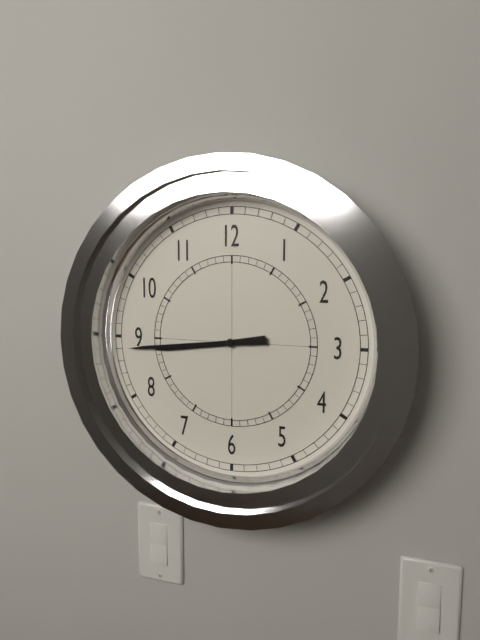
8:44
